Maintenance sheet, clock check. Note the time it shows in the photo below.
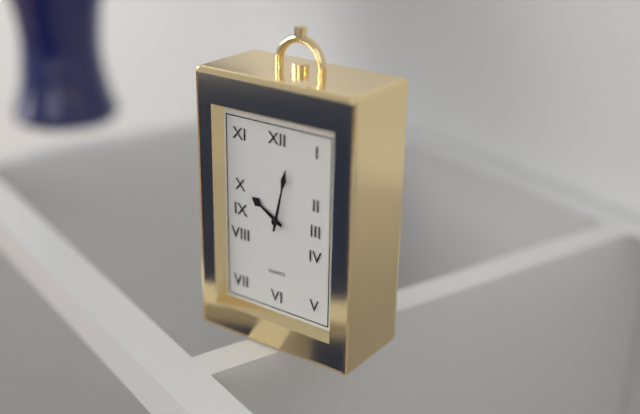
10:02
